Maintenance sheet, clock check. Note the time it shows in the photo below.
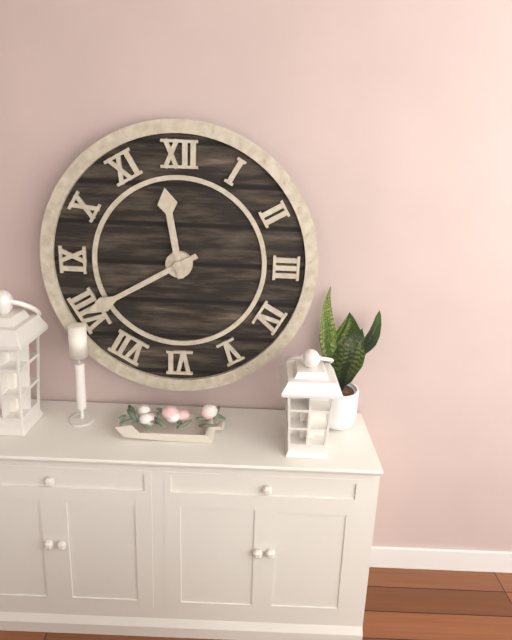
11:40
